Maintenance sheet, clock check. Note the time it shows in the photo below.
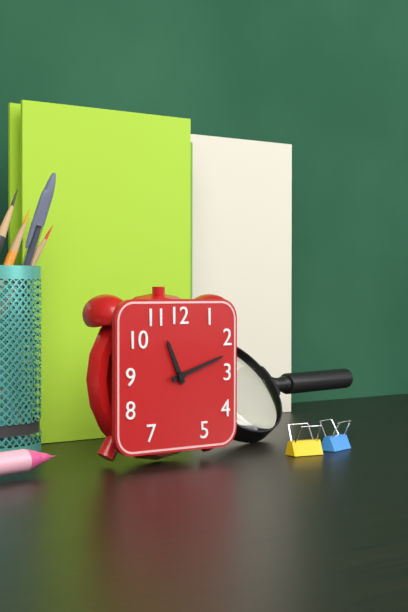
11:12
